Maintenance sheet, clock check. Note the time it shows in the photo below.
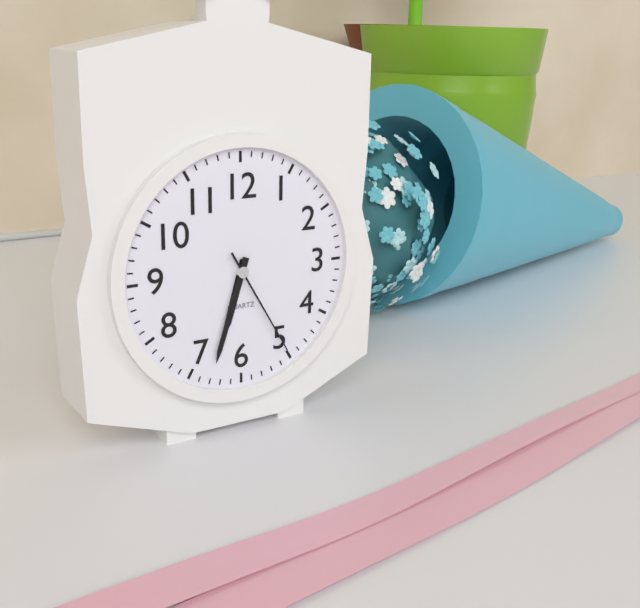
6:33:25
